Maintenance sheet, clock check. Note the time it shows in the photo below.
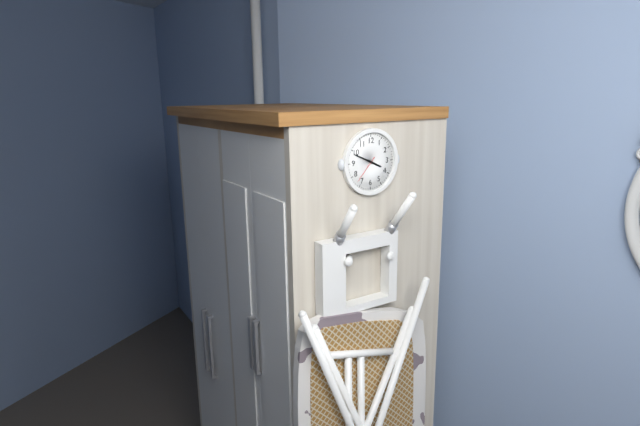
3:49
